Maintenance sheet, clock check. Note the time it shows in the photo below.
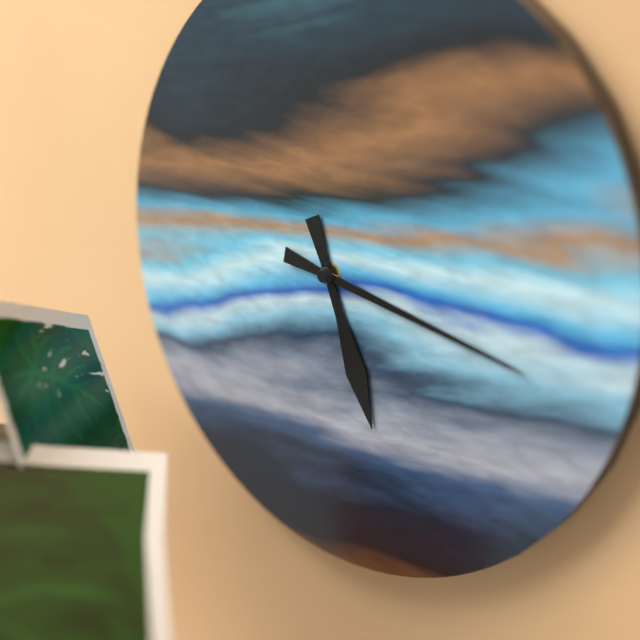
5:17
